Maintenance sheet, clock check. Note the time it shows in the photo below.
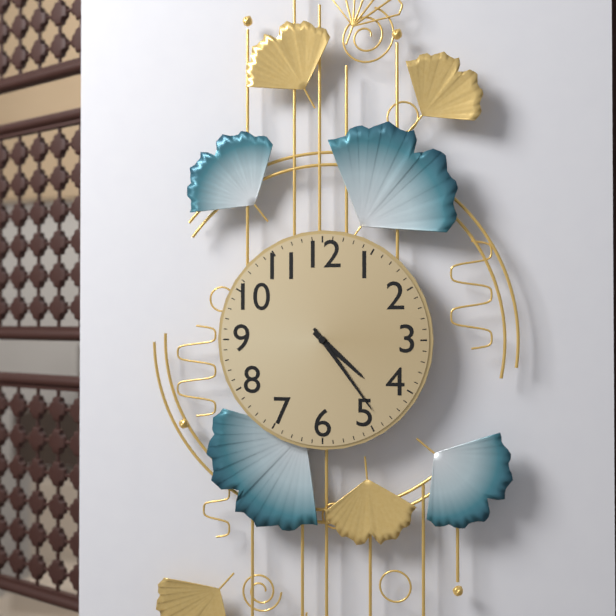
4:24
